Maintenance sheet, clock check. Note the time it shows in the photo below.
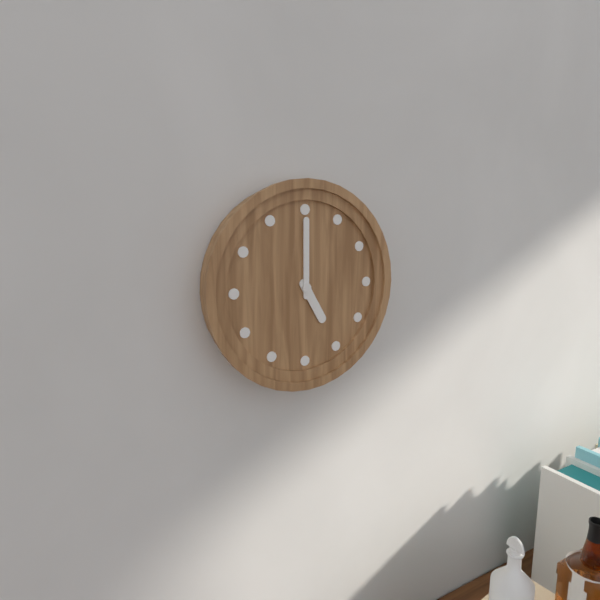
5:00
